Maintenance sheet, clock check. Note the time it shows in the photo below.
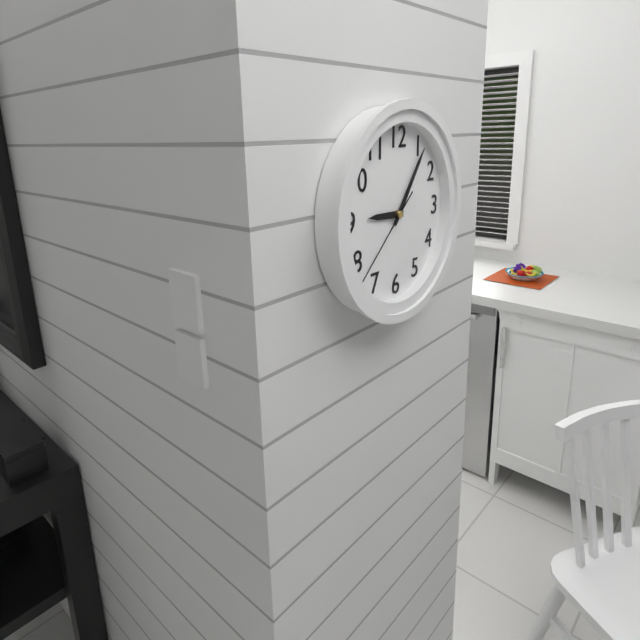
9:06:38
